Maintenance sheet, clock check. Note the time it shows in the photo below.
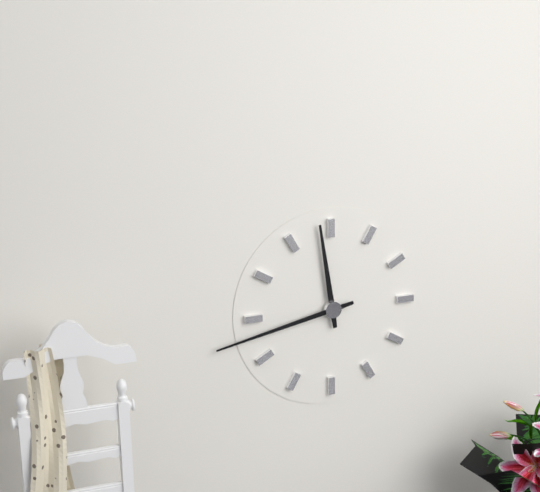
11:43
